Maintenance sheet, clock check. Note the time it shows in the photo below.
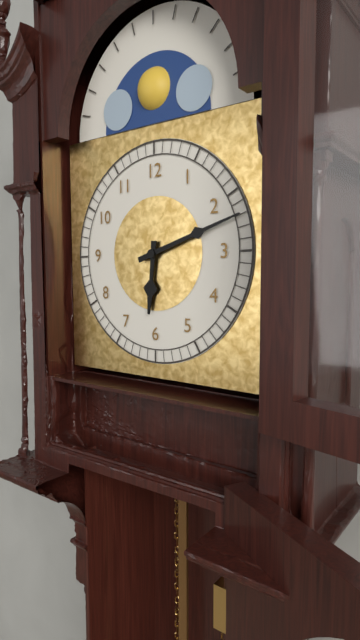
6:12
